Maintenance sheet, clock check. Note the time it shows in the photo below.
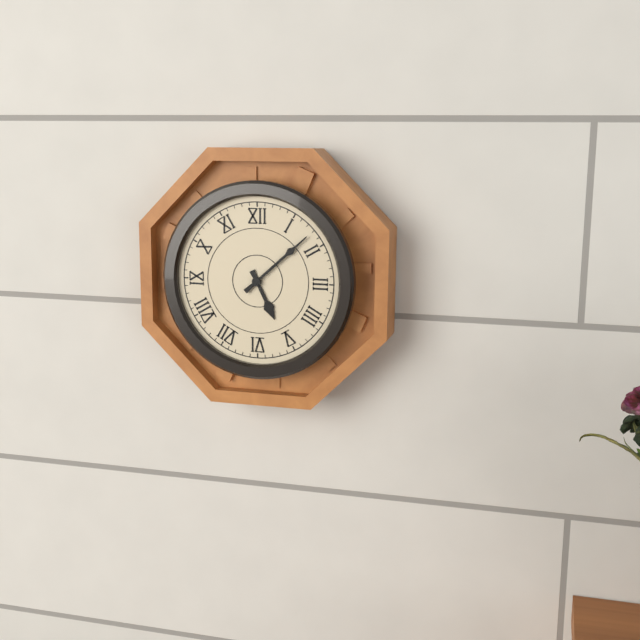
5:08
